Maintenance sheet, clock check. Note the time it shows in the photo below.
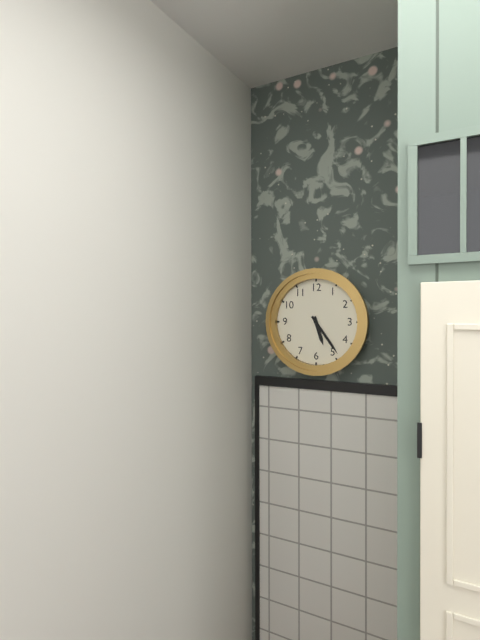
5:24
